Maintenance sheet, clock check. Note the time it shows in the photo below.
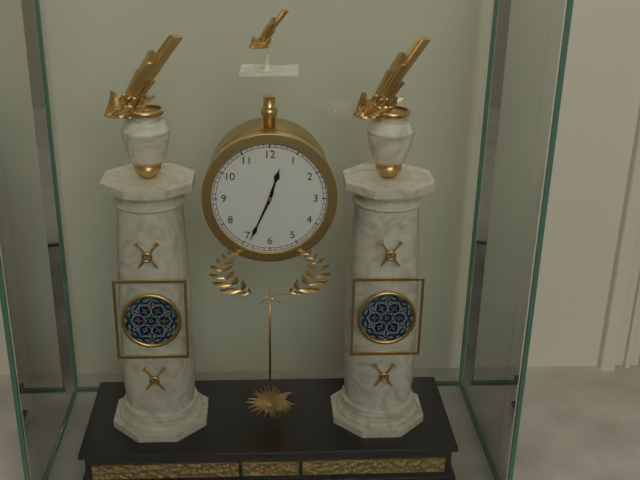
12:34
